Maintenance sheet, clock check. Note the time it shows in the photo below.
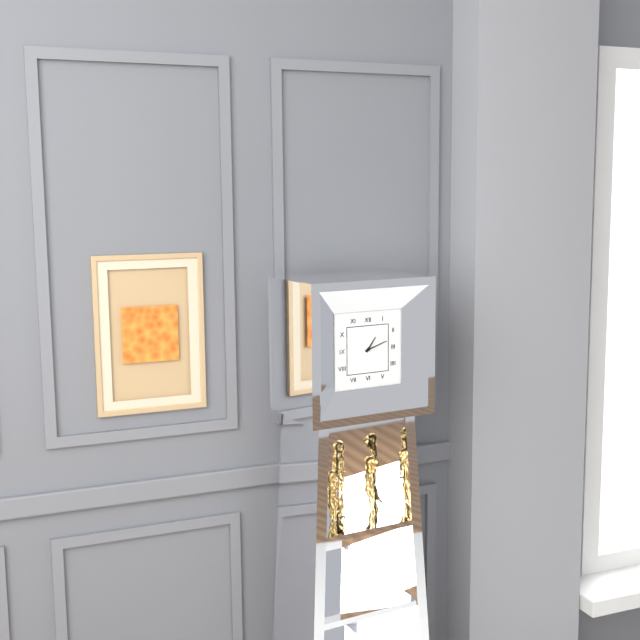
1:12
